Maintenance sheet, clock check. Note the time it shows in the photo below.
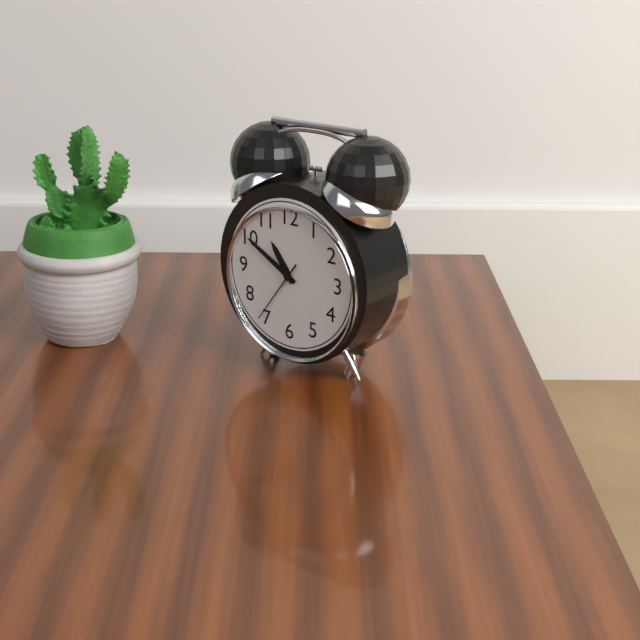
10:50:36
